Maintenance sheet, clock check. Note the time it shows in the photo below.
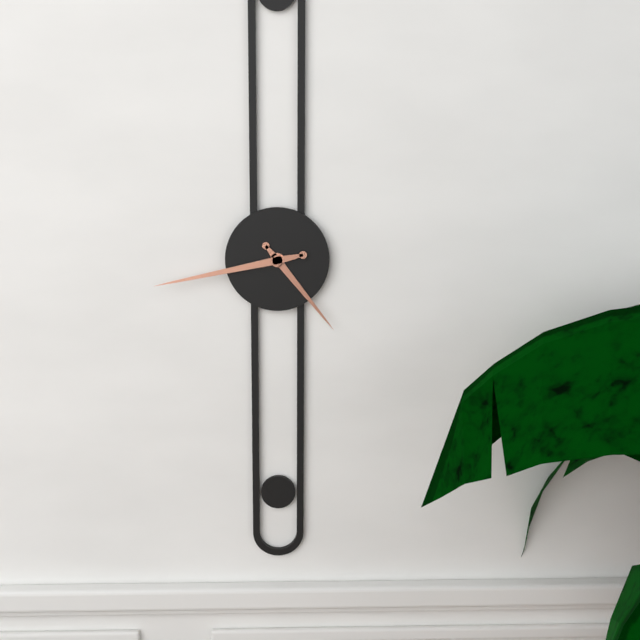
4:43
